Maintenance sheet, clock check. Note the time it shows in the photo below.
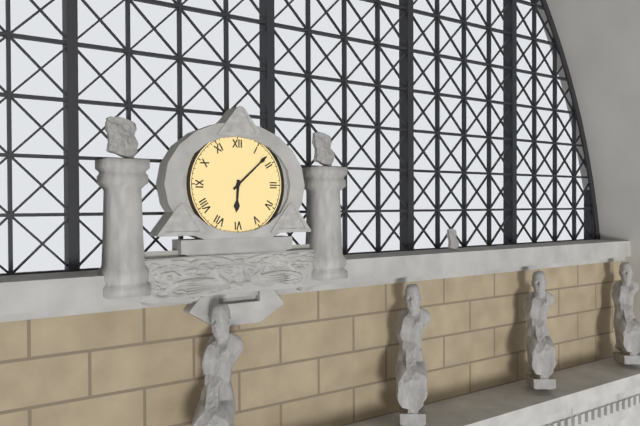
6:08
